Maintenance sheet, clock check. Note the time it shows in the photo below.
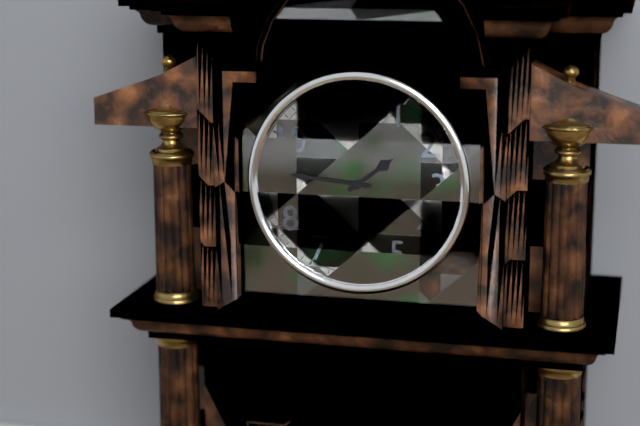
1:46
